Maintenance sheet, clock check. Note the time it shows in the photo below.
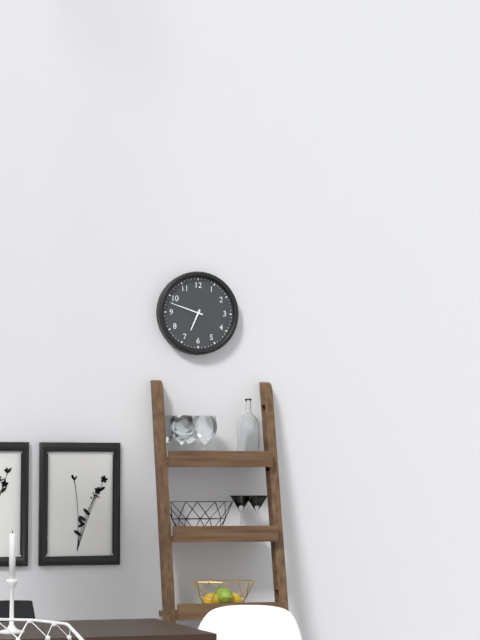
6:48
